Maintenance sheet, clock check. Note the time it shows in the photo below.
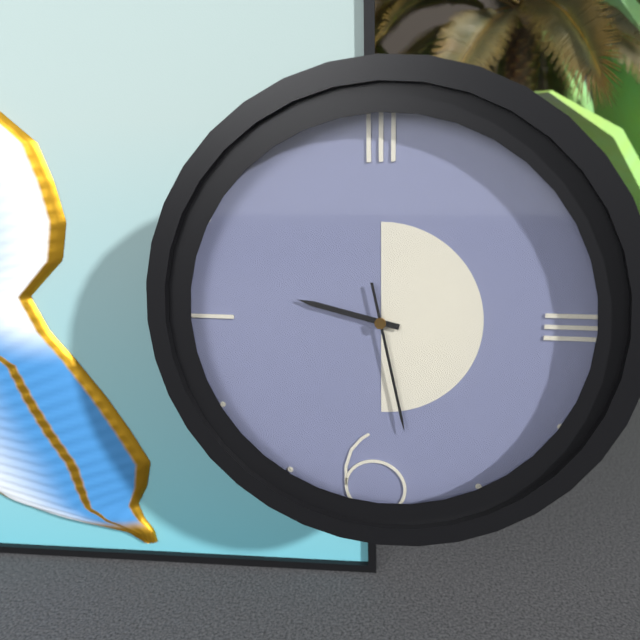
9:28
